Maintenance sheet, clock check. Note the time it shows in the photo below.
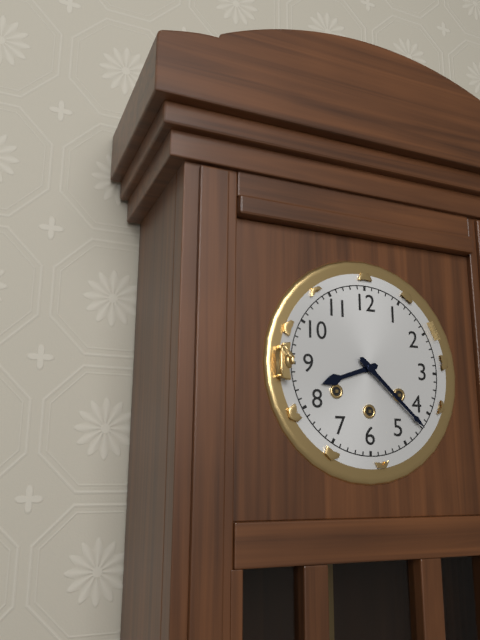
8:22
